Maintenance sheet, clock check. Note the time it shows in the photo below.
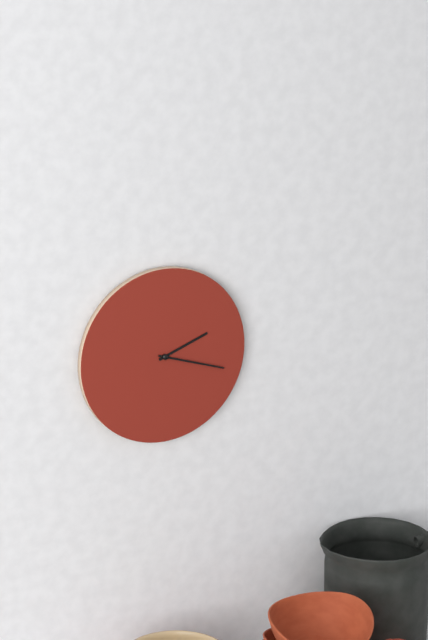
2:18
